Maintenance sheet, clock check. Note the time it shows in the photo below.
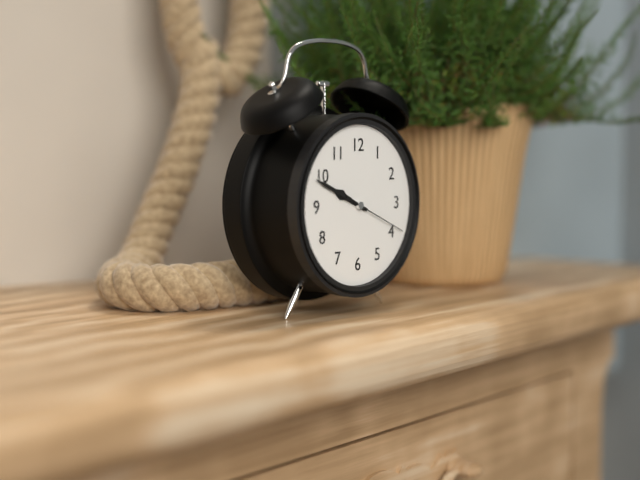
9:49:19
